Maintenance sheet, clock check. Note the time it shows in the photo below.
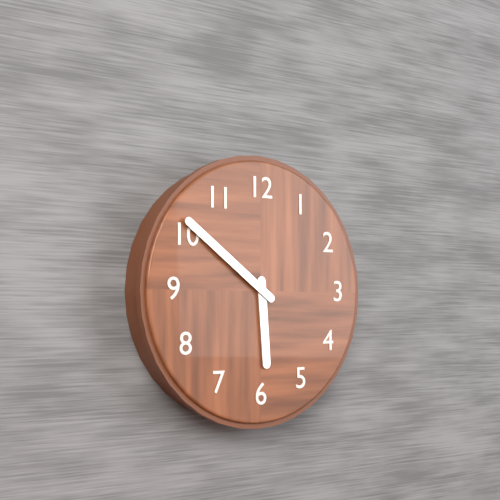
5:51
